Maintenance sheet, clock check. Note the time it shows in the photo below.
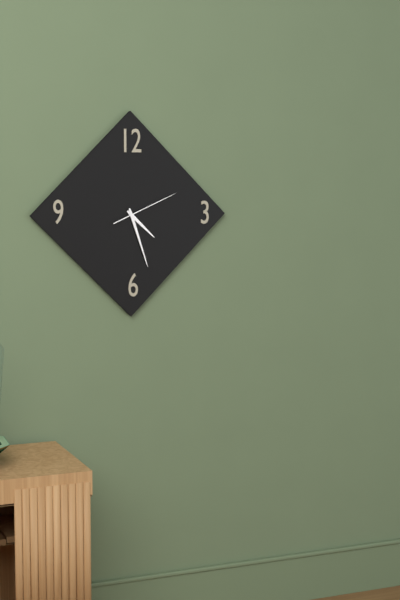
4:27:11
